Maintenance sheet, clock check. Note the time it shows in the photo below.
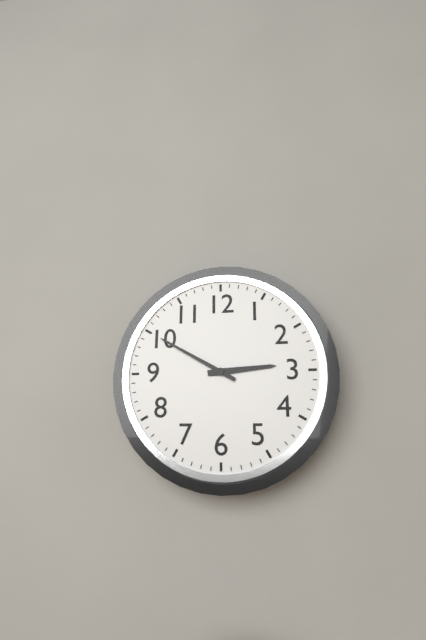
2:50
